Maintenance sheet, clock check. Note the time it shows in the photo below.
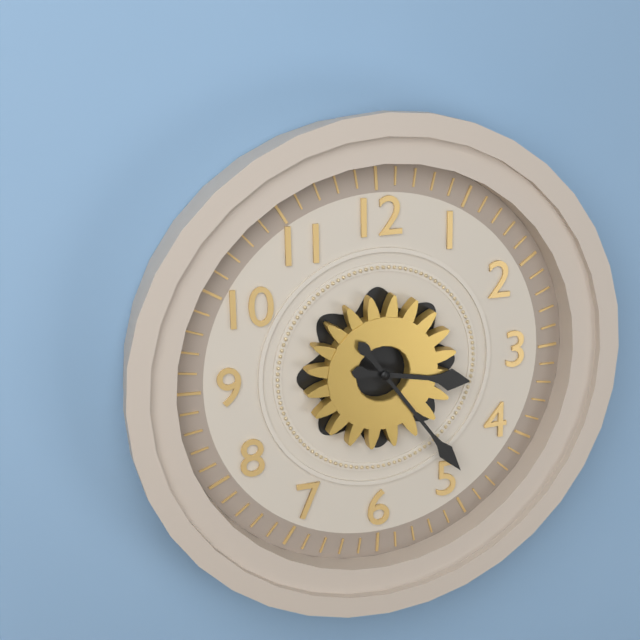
3:24
